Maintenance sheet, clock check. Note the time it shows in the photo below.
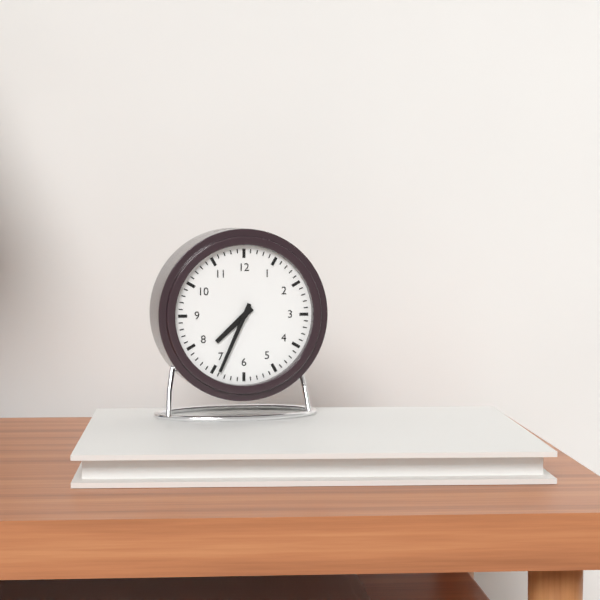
7:34
